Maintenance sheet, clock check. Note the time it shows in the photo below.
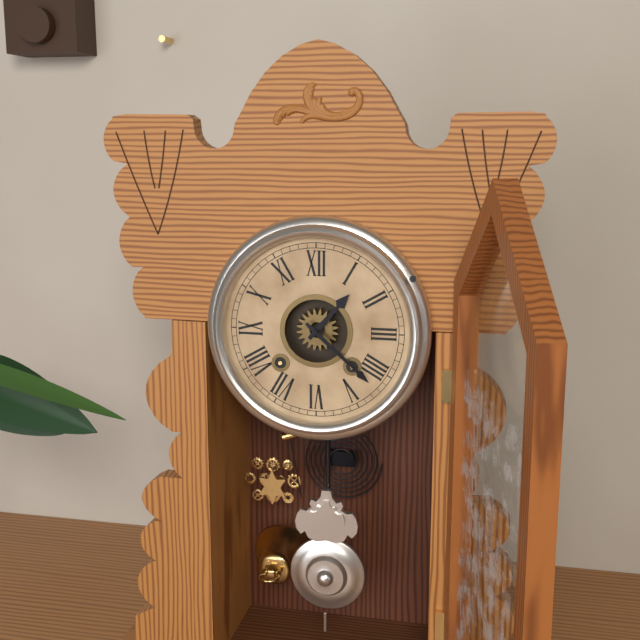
1:22
